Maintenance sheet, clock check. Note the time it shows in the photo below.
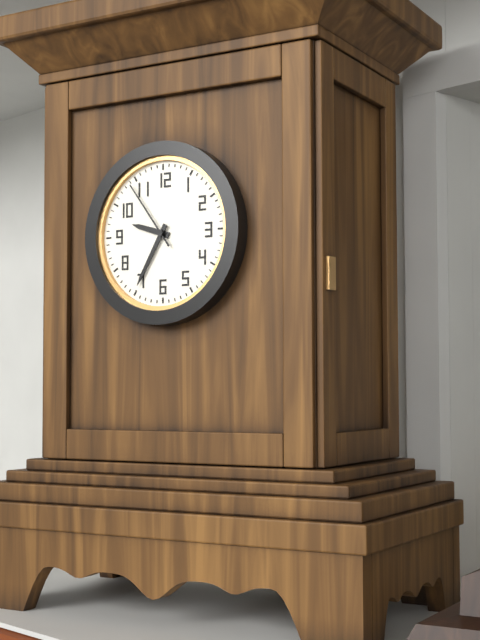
9:35:54
